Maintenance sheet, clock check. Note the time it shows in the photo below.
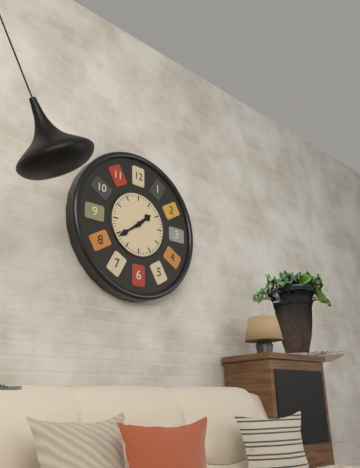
1:39
